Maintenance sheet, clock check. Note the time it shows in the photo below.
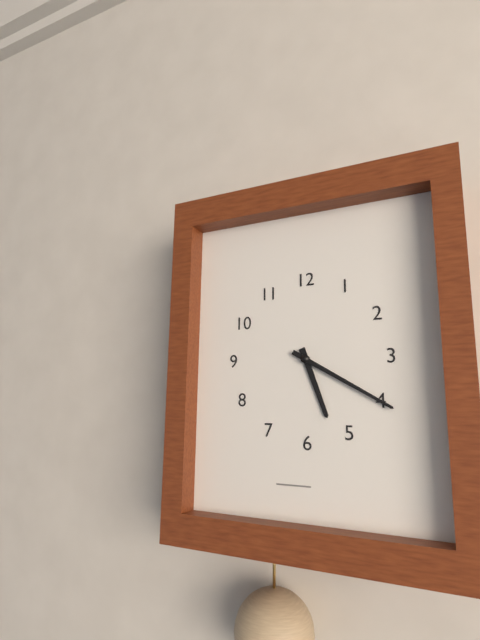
5:20
